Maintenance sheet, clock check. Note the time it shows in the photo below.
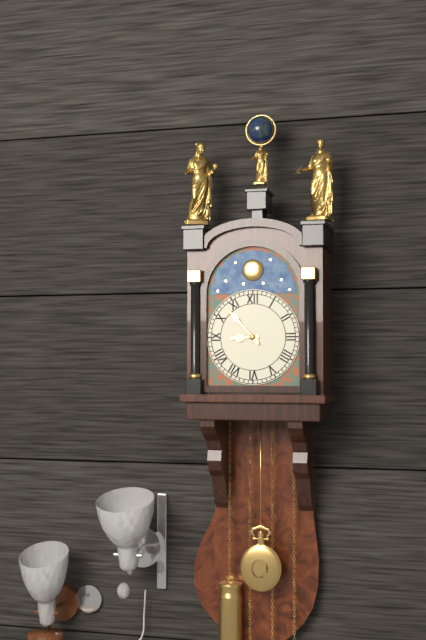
8:53
